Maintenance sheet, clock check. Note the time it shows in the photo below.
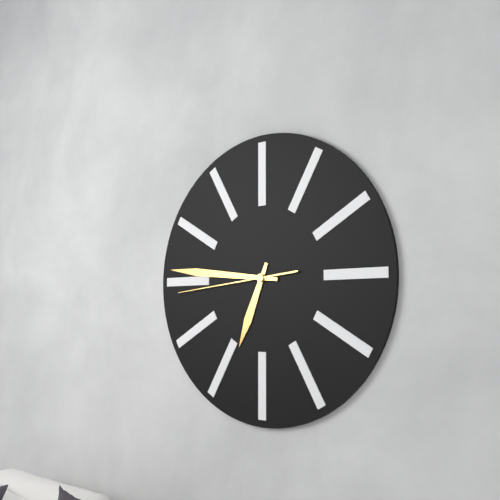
6:46:44
